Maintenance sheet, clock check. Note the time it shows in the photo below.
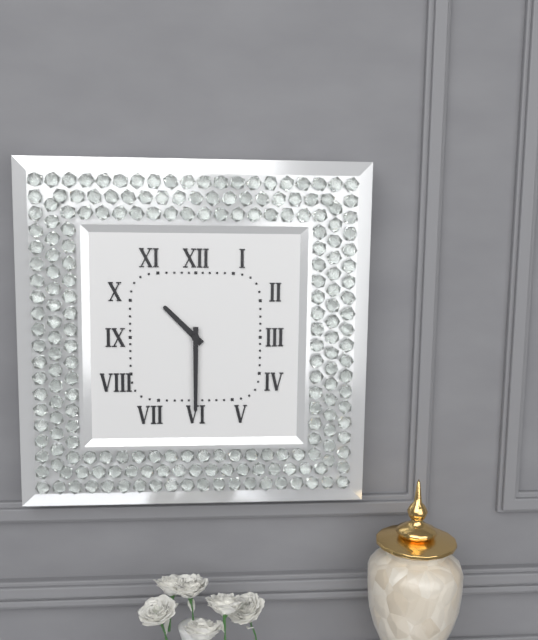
10:30
